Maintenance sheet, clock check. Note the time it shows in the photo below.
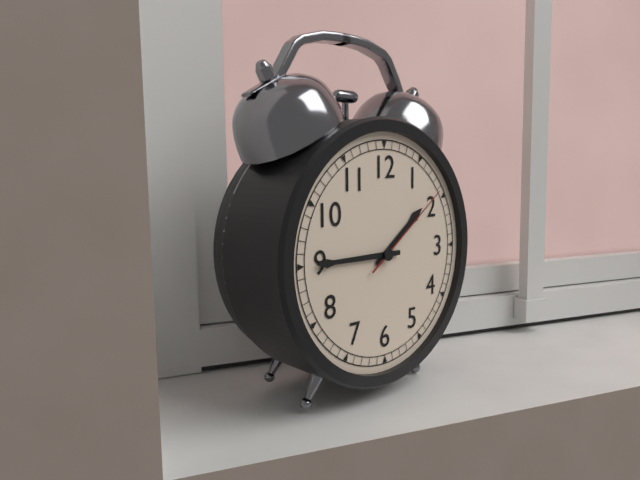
1:45:09
